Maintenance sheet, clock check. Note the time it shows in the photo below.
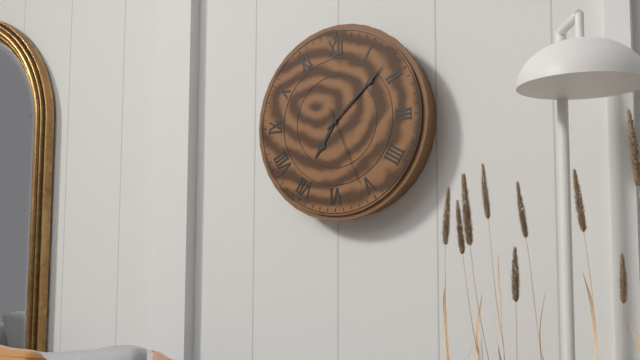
7:08:26
